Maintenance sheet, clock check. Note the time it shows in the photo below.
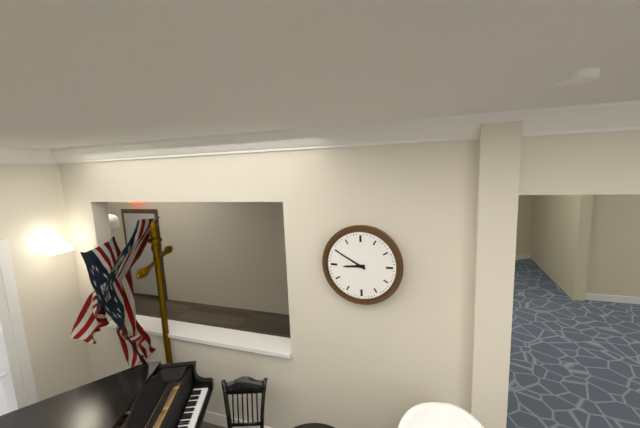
8:50
